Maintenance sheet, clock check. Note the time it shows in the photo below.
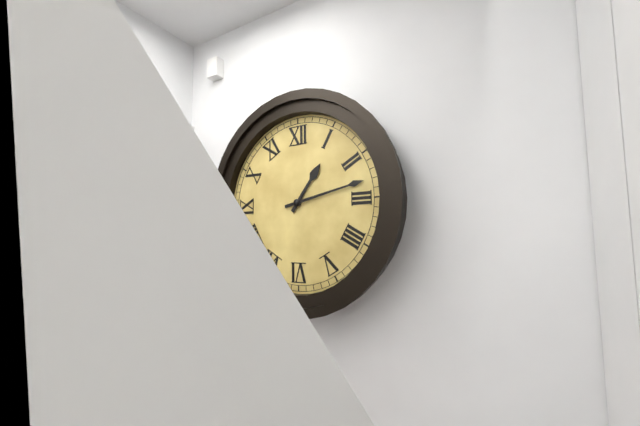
1:13
